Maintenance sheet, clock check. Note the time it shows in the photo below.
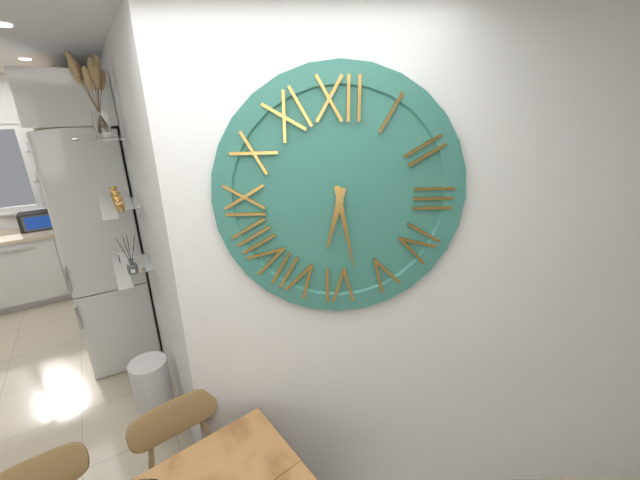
6:28
